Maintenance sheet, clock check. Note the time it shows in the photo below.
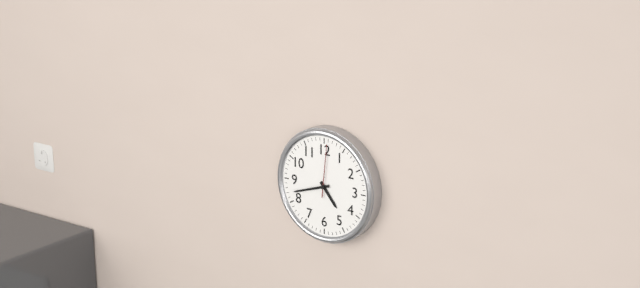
4:42
